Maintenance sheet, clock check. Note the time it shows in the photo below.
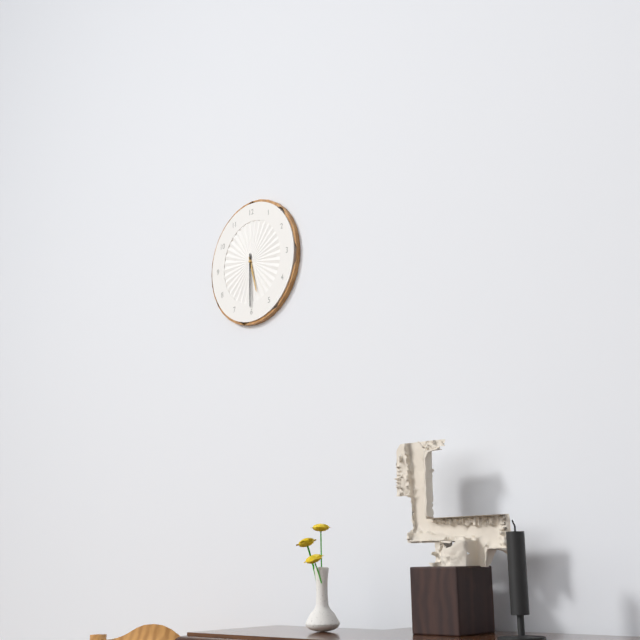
5:30
